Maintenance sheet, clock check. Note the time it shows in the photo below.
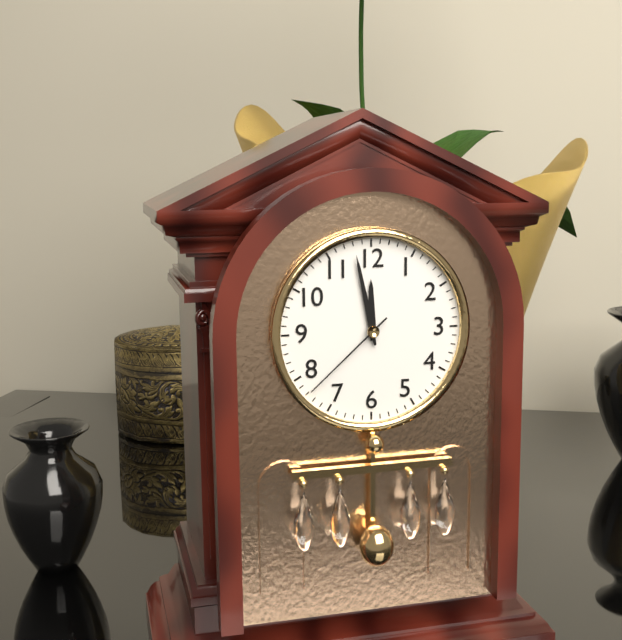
11:58:38
